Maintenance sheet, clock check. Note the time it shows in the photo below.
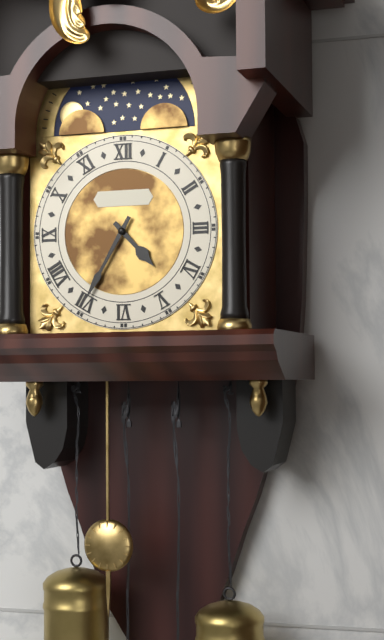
4:35
